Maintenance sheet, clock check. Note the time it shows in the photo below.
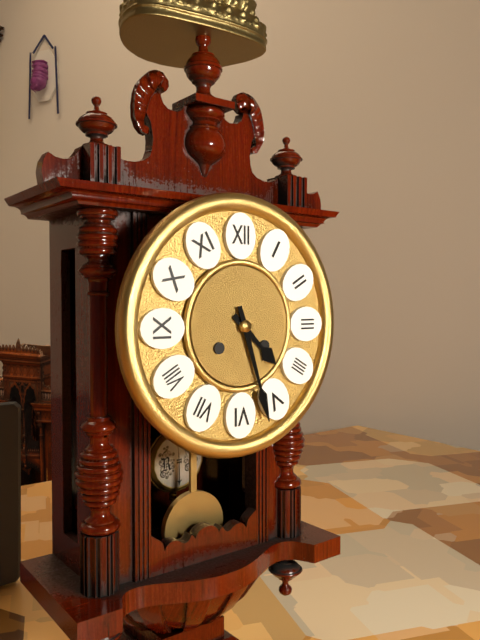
4:27
